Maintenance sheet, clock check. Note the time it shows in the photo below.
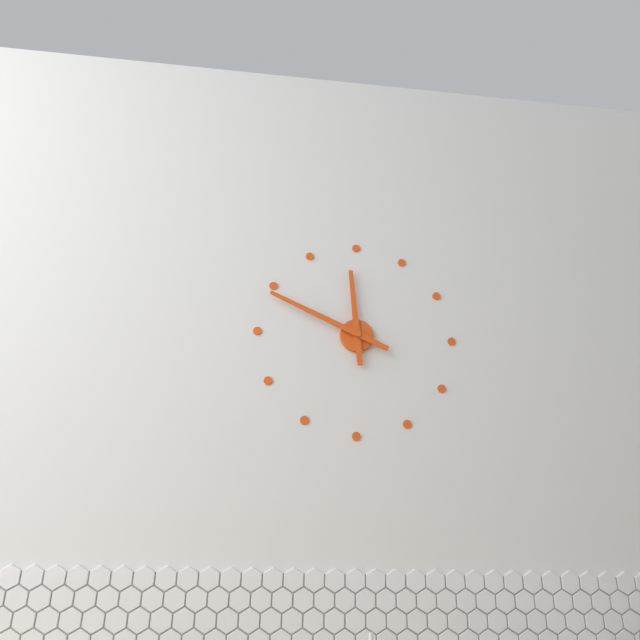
11:49
